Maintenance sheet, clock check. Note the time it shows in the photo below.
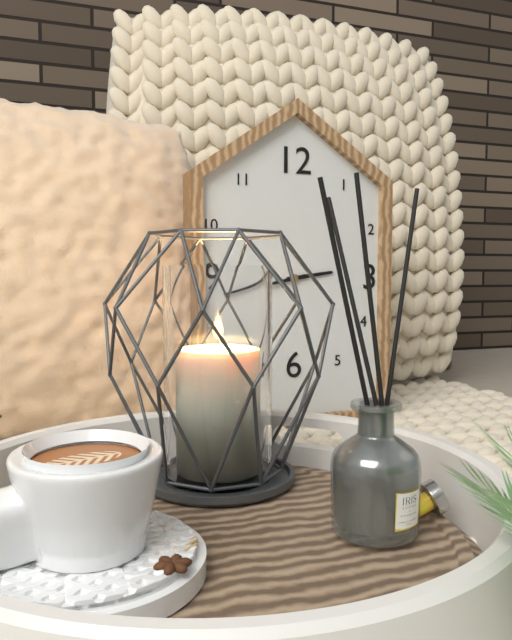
2:43
